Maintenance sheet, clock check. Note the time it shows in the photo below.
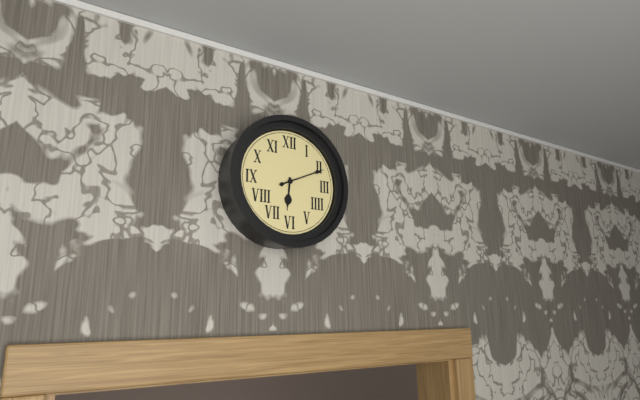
6:11
